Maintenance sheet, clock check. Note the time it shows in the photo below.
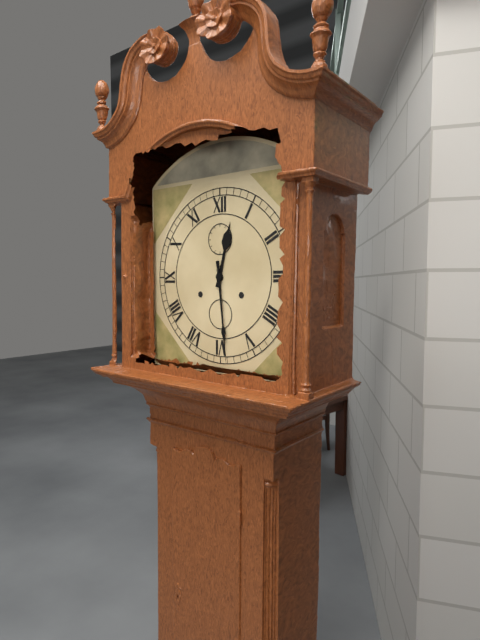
12:29
